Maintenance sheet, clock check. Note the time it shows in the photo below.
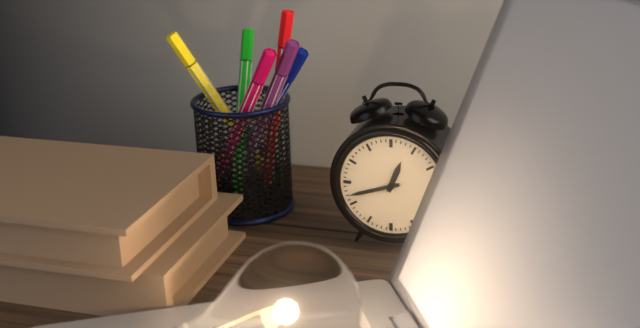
12:42
